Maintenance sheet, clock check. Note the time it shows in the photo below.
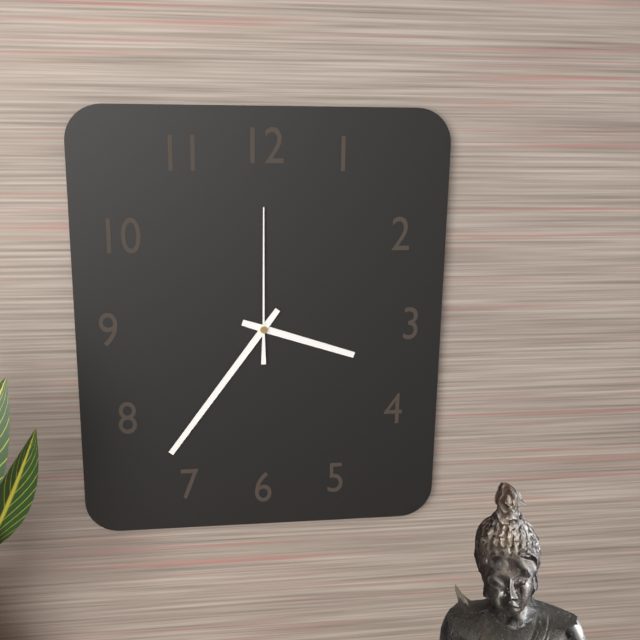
3:36:00
